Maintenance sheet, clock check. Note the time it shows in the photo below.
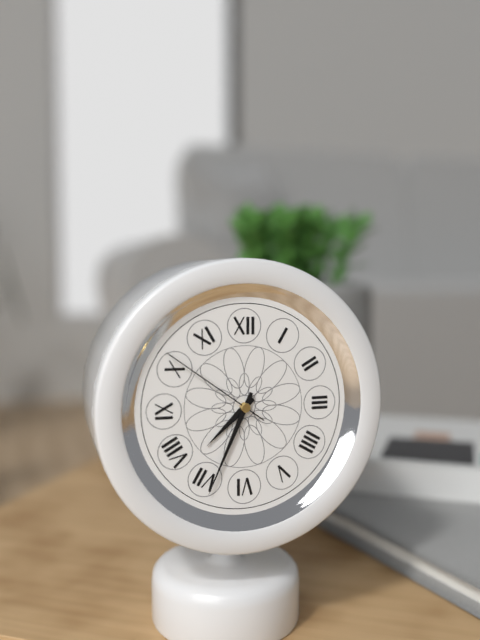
7:34:51
